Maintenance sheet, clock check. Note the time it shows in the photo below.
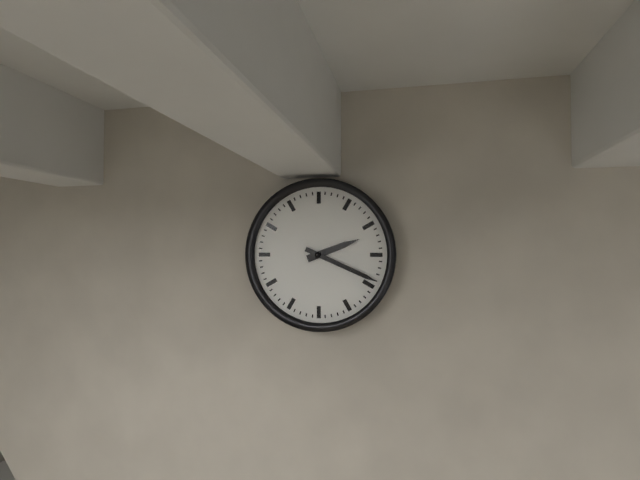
2:19
